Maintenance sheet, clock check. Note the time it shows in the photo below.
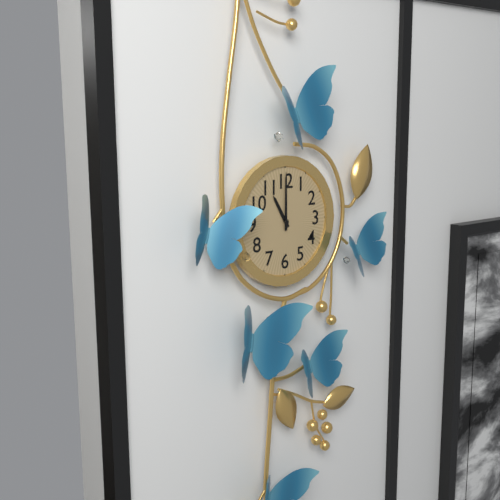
11:00
